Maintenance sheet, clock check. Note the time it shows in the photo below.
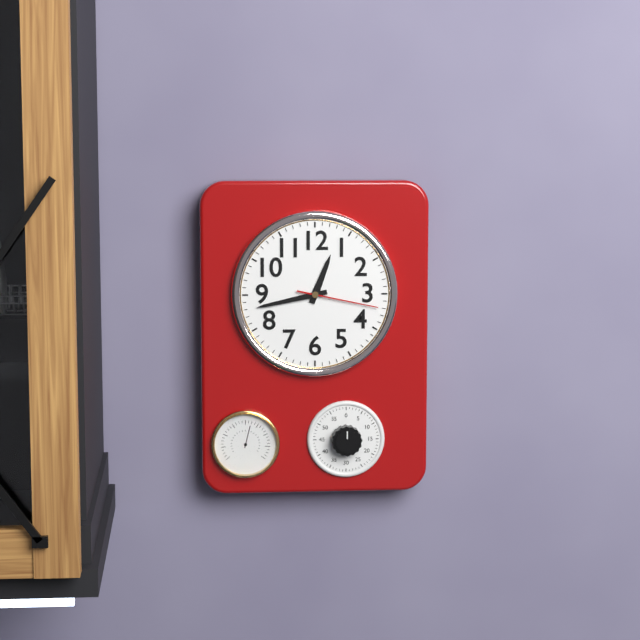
12:43:17
